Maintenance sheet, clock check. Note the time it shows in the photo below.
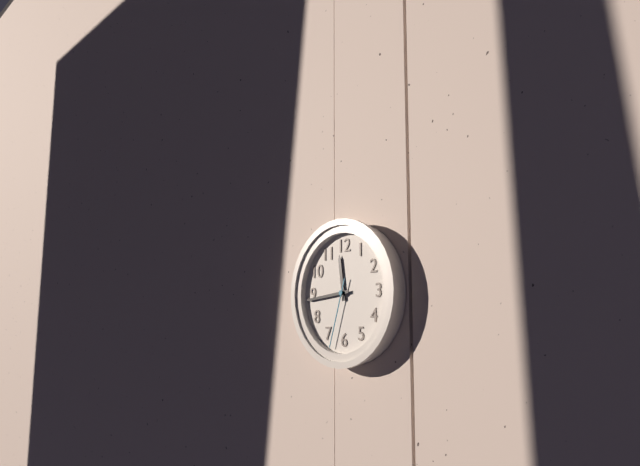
11:44:33
